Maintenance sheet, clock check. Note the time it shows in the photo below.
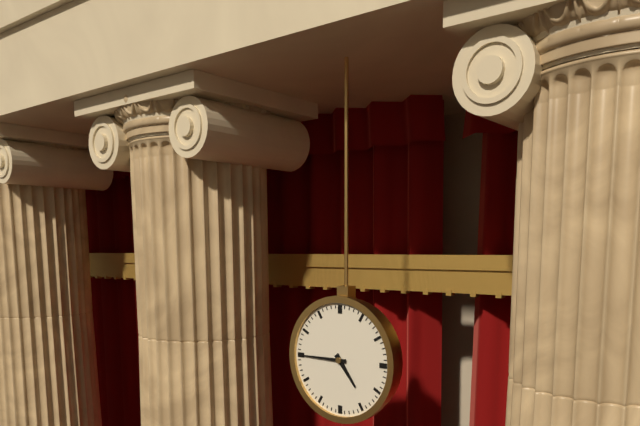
4:45
